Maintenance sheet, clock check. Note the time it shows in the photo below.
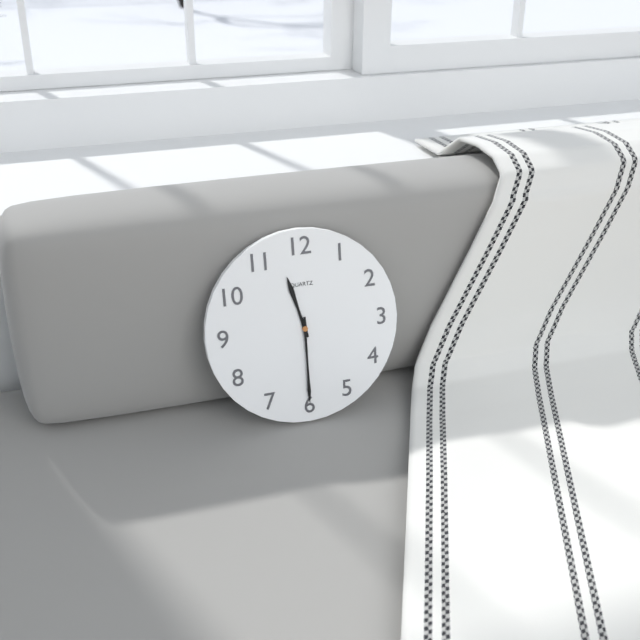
11:30
